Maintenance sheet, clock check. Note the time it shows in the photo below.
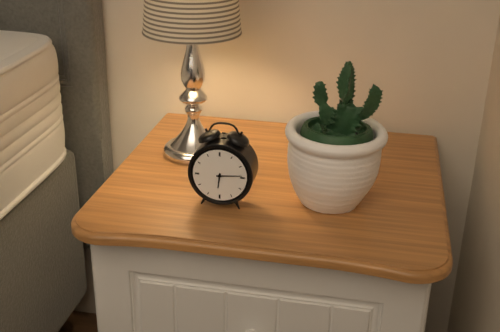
6:14
